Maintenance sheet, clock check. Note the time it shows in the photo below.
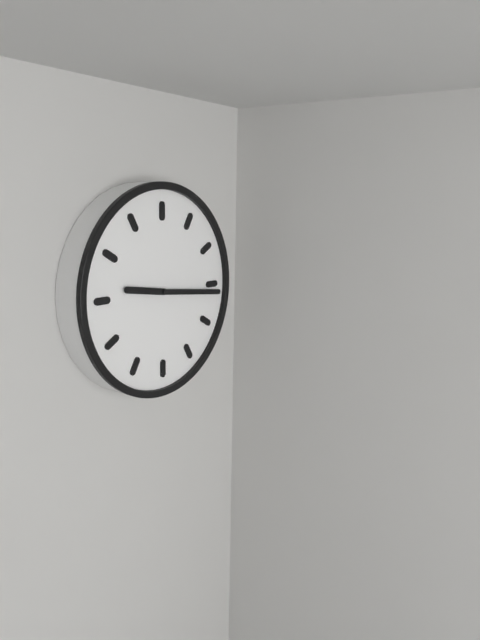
9:16
